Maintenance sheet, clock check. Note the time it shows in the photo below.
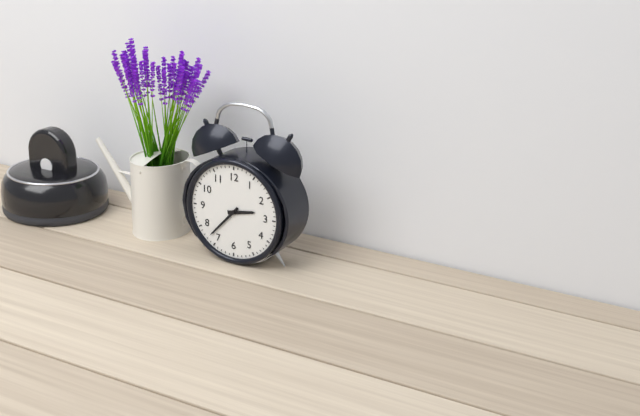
2:37
